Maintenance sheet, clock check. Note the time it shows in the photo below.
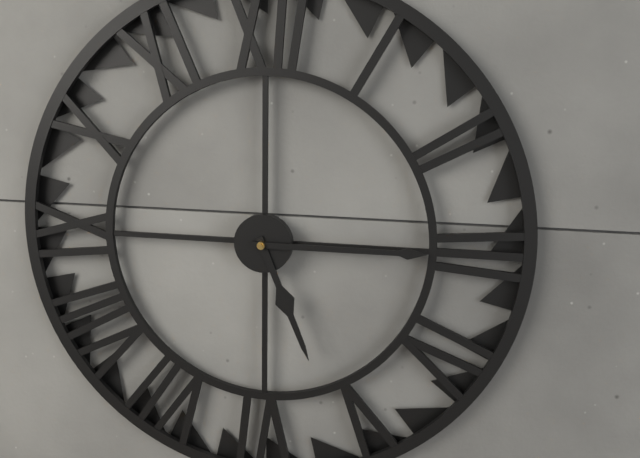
5:15
